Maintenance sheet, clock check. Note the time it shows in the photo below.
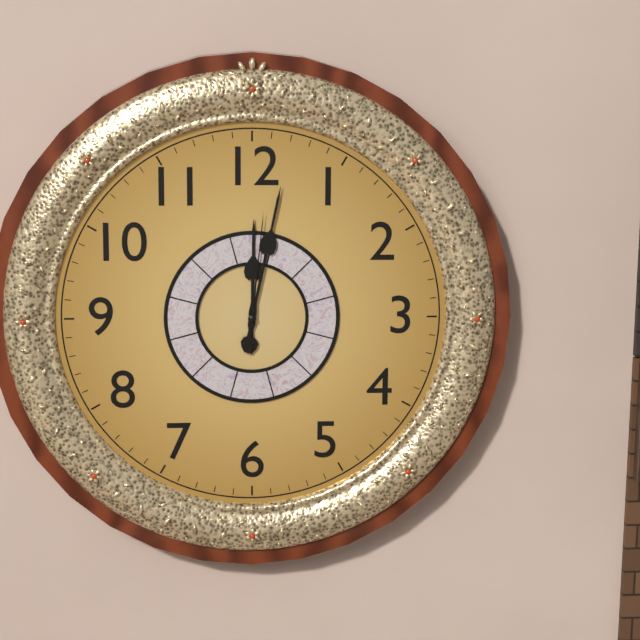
12:02:01
